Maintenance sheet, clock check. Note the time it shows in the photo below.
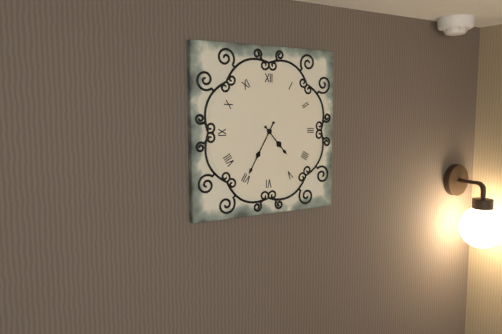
4:35
